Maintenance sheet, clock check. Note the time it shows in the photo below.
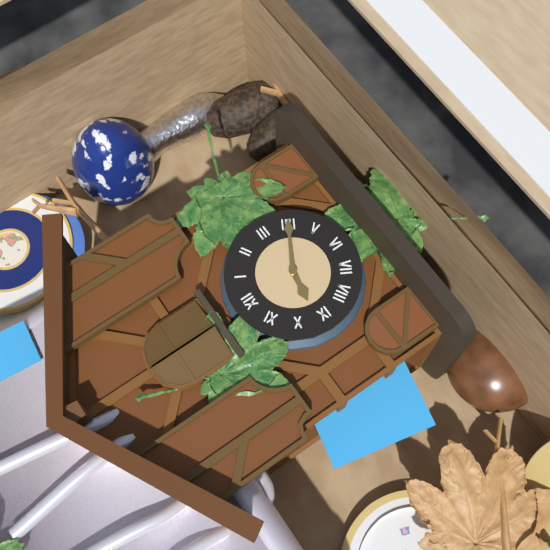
9:20
